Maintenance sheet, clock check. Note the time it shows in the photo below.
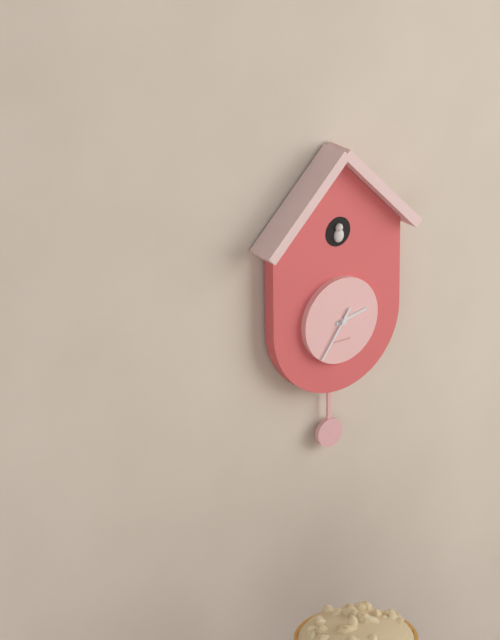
2:36
